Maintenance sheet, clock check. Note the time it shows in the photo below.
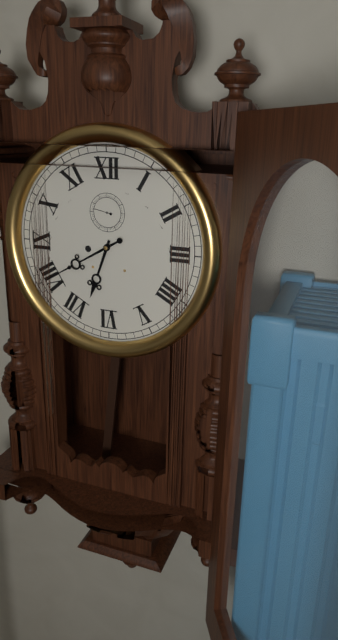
6:40
